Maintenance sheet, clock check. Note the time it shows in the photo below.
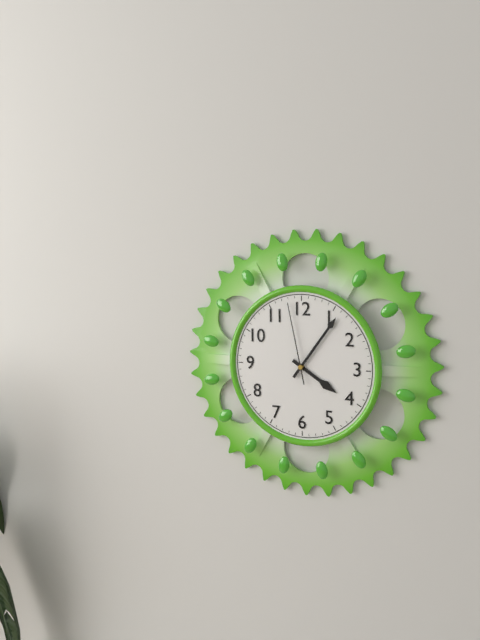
4:06:58
